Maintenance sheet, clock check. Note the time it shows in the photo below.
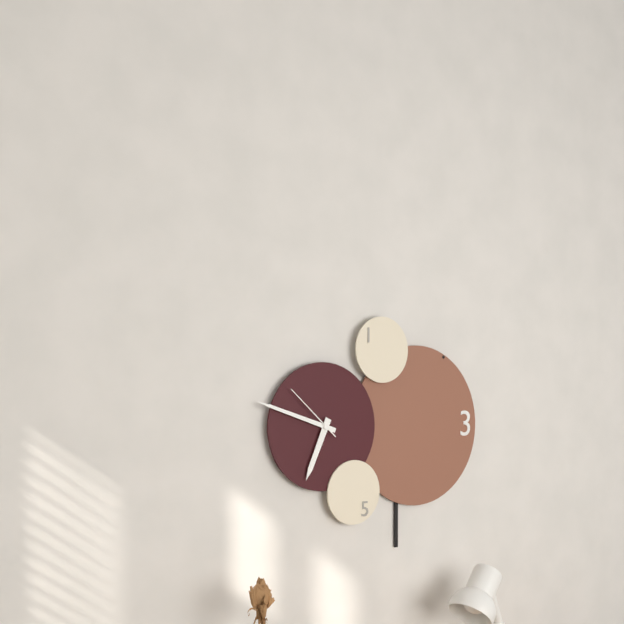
6:48:52
